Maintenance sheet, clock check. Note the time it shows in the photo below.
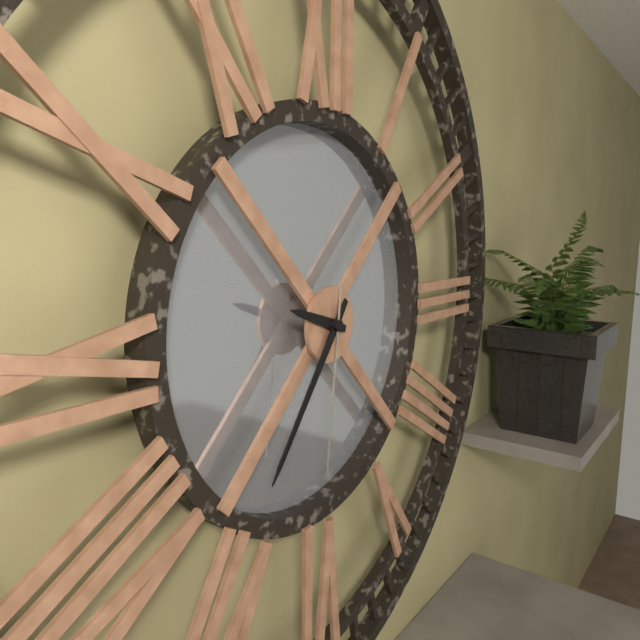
9:36:31
